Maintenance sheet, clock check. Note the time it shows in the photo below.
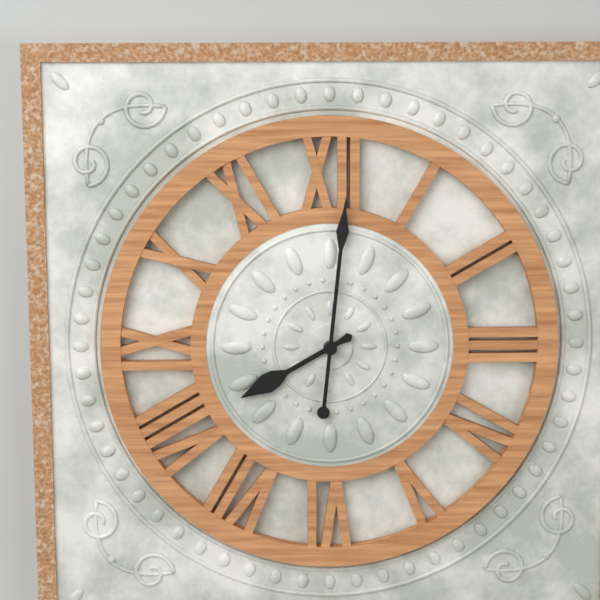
8:01
